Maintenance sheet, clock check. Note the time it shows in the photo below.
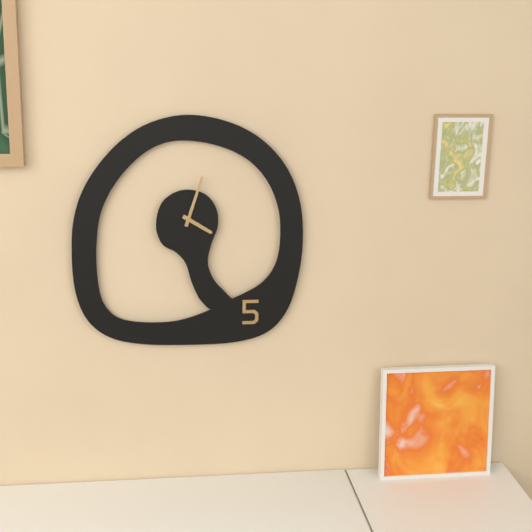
4:03
